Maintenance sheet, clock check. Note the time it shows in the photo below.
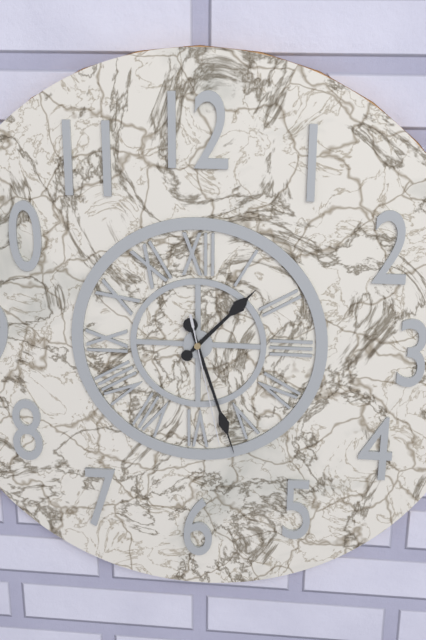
1:27:28
